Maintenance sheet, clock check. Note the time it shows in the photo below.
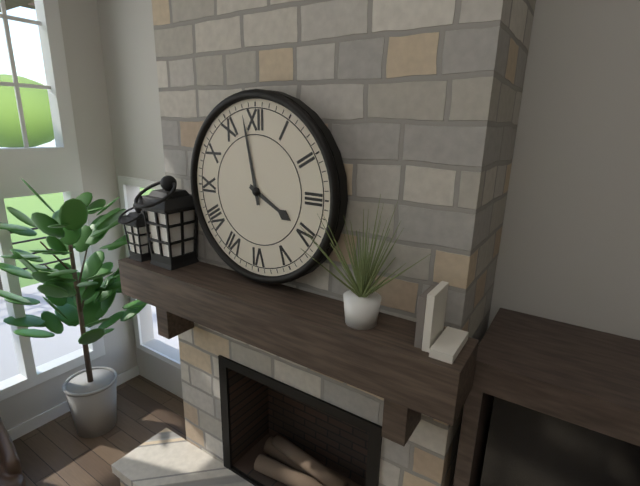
3:58
